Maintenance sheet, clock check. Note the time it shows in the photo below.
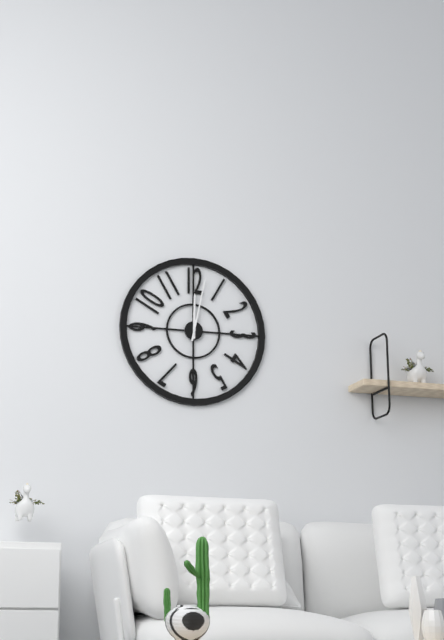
12:02
